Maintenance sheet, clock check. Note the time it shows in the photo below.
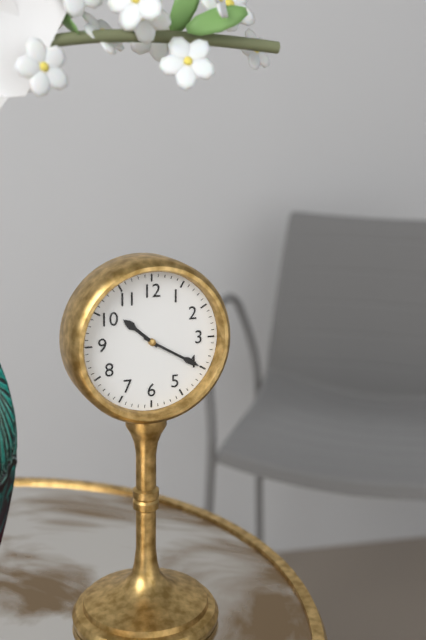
10:20
